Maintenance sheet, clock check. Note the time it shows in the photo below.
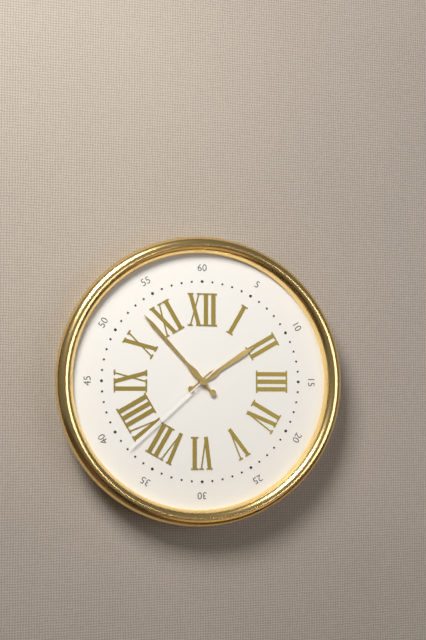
1:53:38
